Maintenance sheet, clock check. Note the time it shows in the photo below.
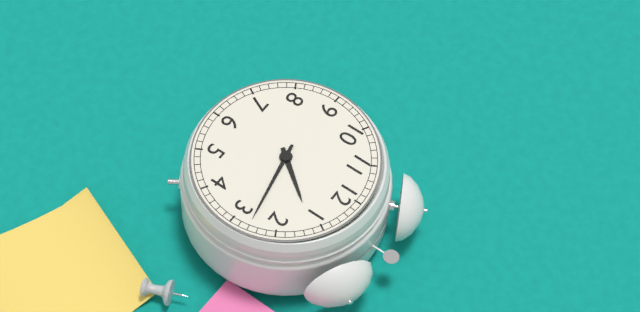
1:13
